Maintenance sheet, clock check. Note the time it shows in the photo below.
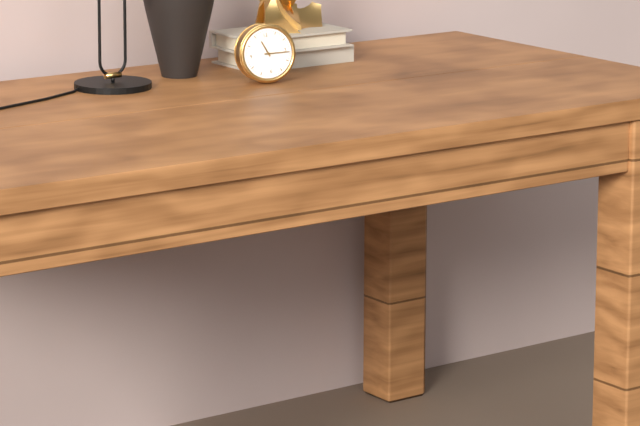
11:16
